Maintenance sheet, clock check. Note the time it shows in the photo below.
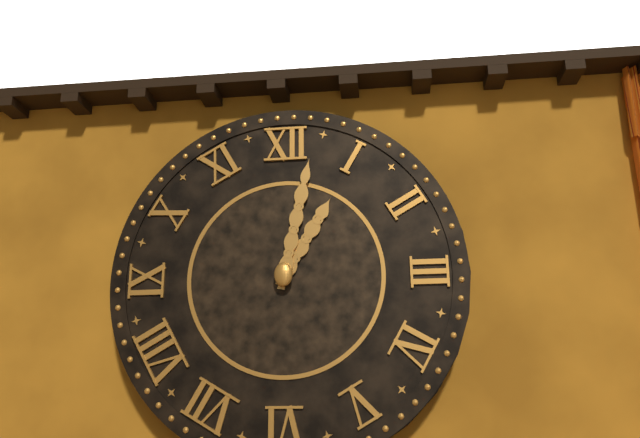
1:02
